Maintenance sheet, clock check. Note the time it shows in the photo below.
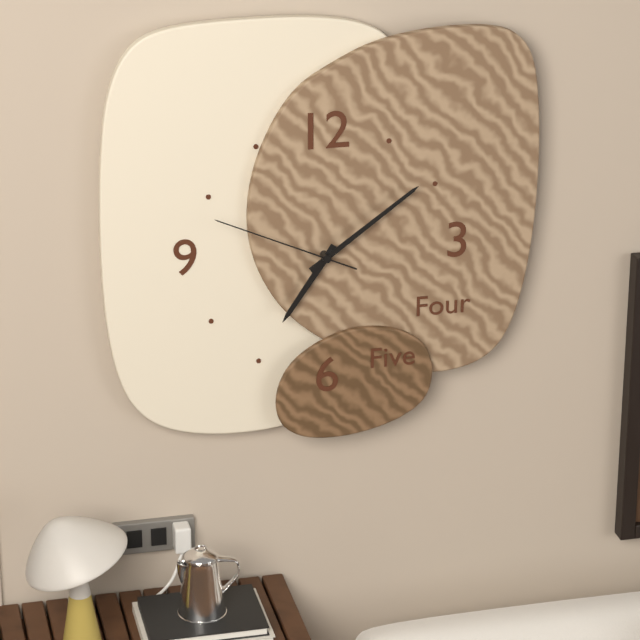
7:09:49
